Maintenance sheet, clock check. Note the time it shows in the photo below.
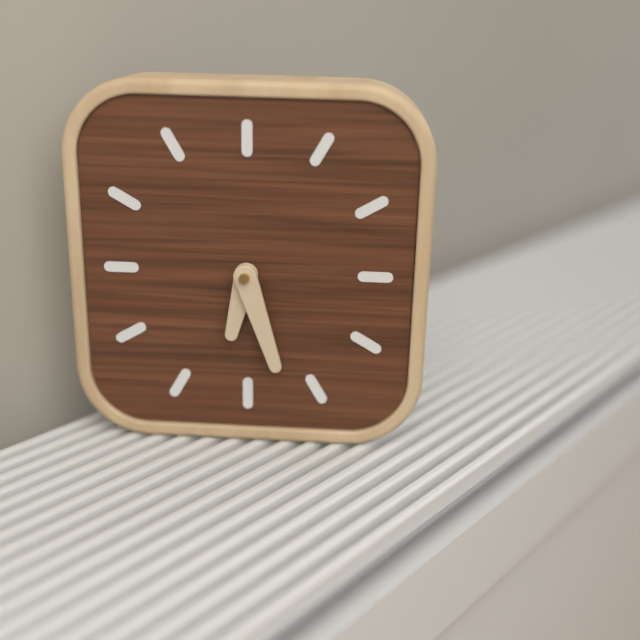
6:27
